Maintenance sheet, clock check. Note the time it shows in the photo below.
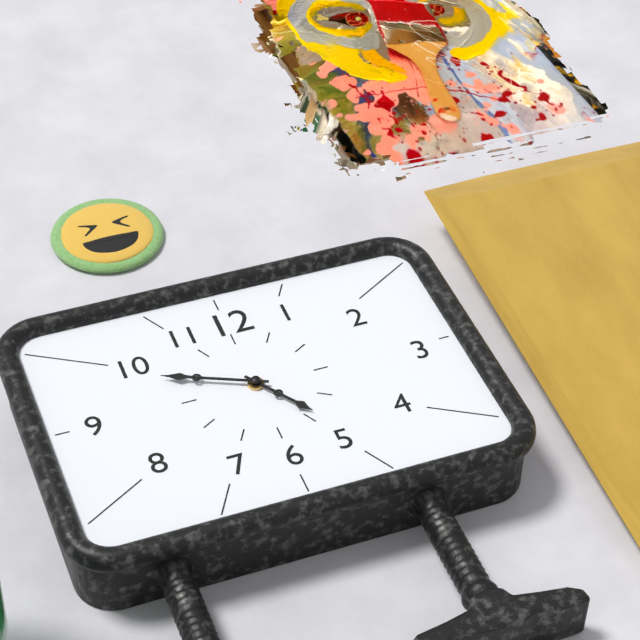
4:49
